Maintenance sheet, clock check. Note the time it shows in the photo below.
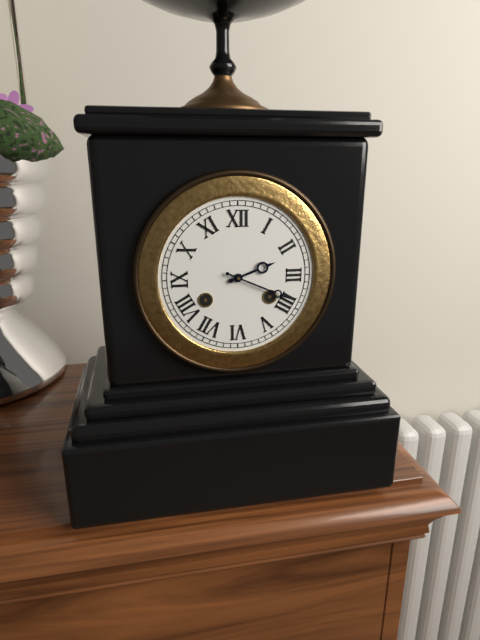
2:19
